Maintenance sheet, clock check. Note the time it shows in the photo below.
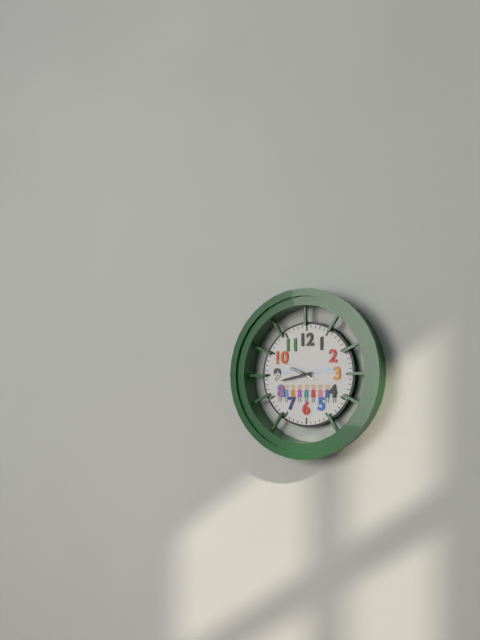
9:43
